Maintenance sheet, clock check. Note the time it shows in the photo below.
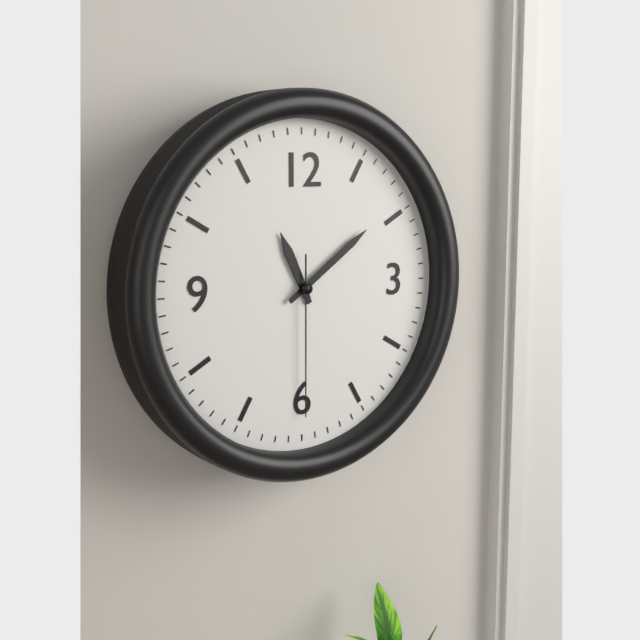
11:09:30
